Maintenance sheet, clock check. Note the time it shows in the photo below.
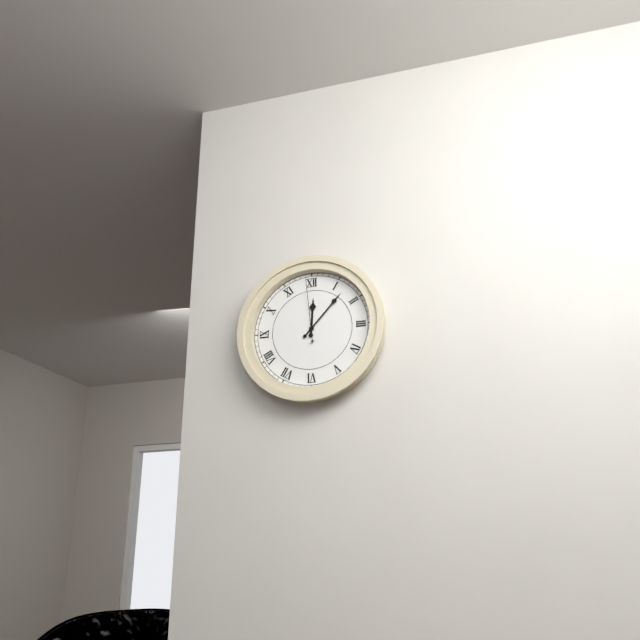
12:07:59
